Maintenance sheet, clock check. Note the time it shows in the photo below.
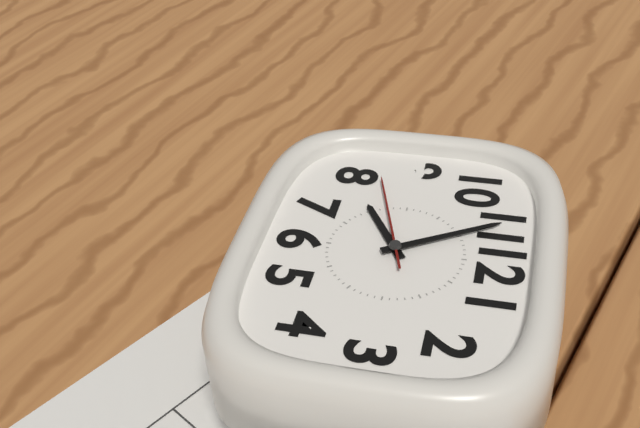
7:55:42
